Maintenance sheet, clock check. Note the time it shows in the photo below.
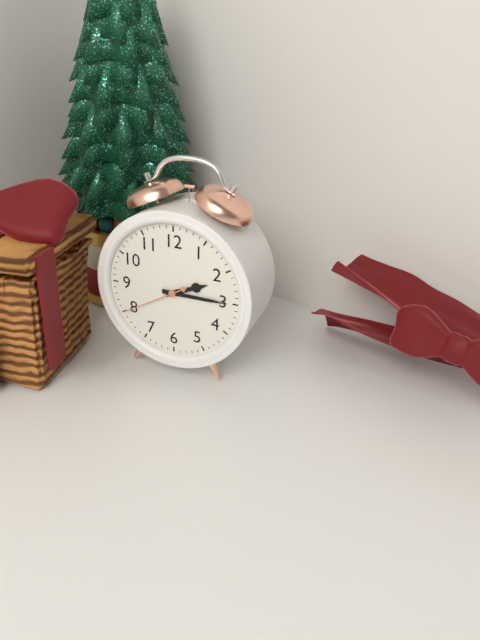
2:15:40
